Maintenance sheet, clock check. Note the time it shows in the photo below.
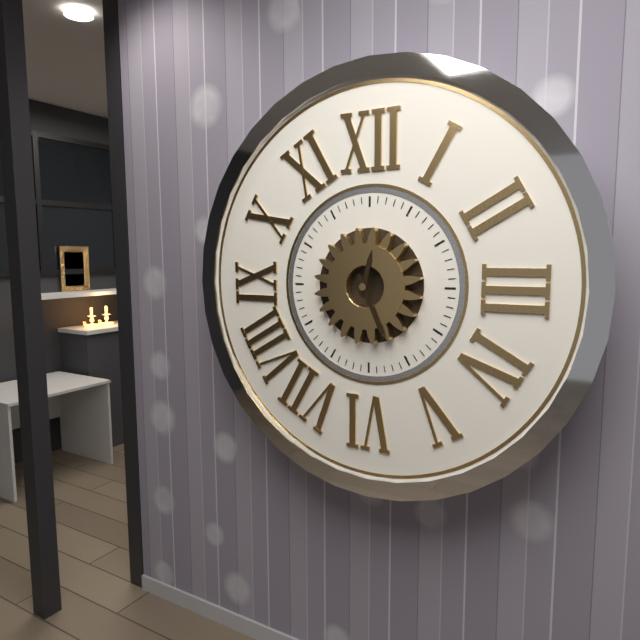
12:26
